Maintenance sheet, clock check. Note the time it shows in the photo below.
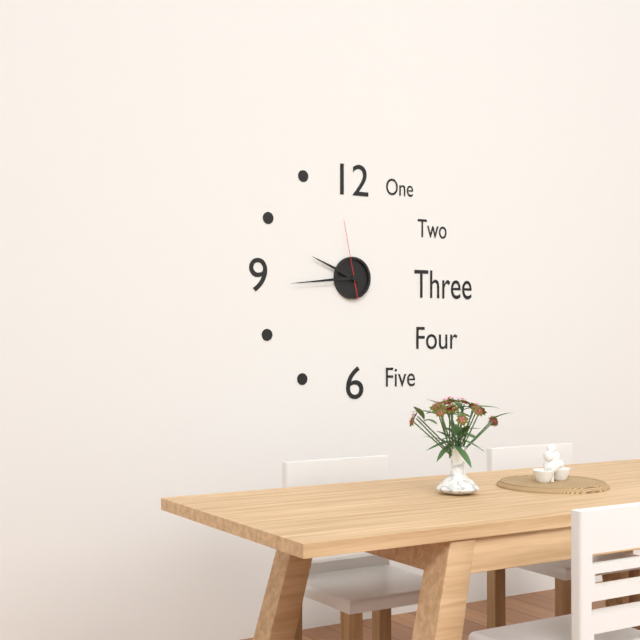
9:44:58
